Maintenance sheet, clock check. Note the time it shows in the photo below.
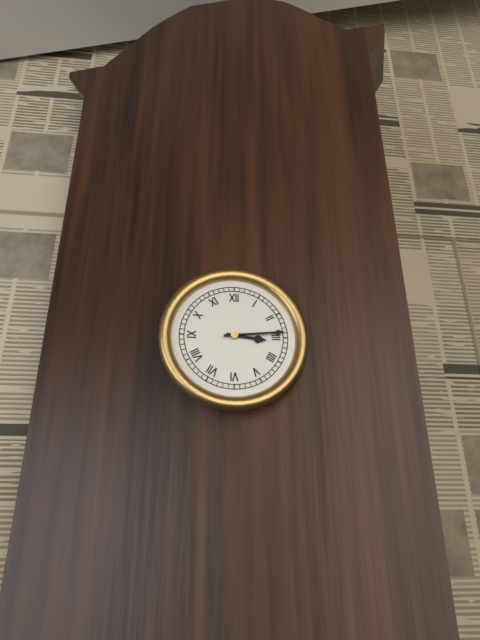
3:14
